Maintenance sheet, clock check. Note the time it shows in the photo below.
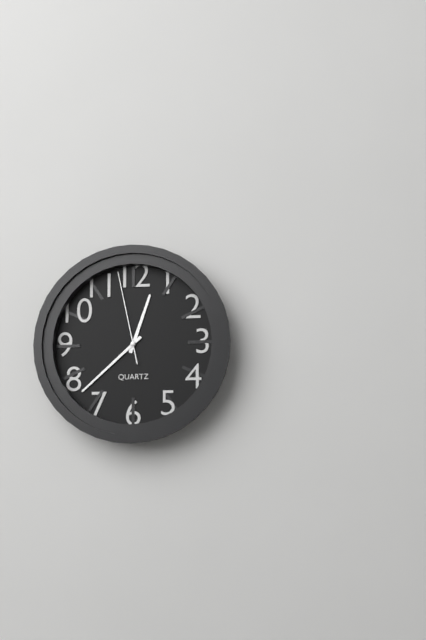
12:38:58
